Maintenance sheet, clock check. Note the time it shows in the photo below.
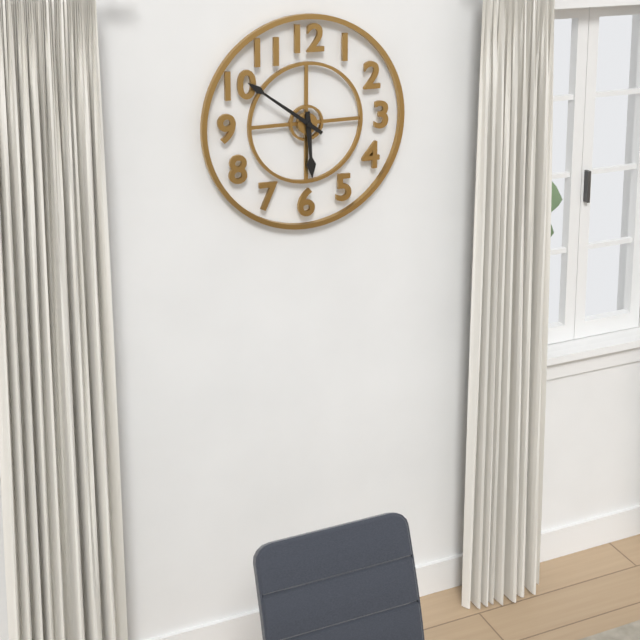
5:51
